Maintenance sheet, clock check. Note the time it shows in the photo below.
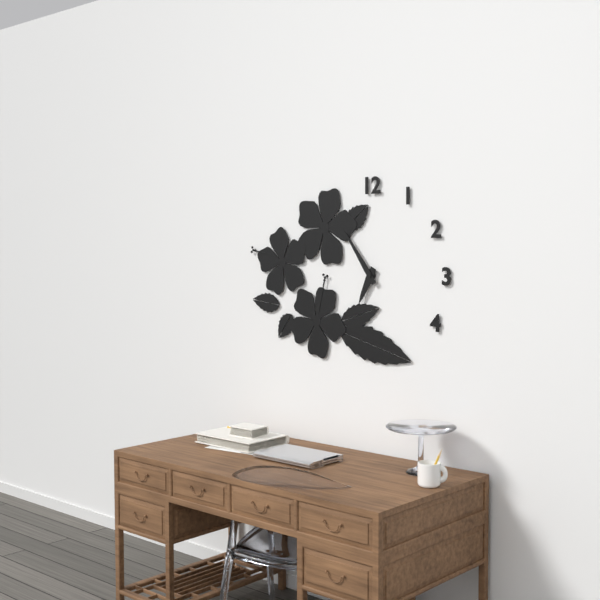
6:54
